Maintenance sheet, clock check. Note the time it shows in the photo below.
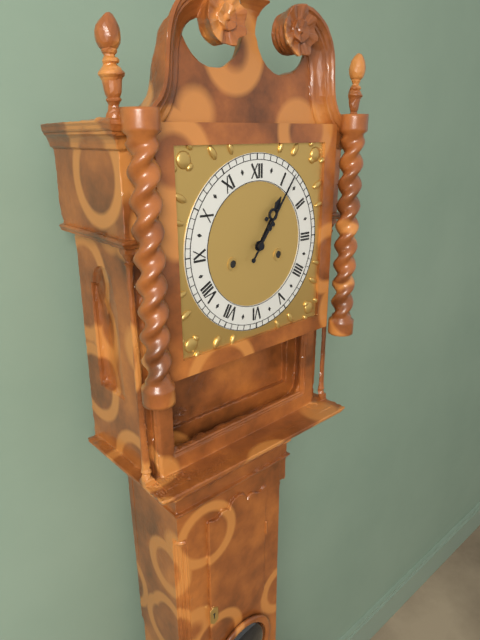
1:06
